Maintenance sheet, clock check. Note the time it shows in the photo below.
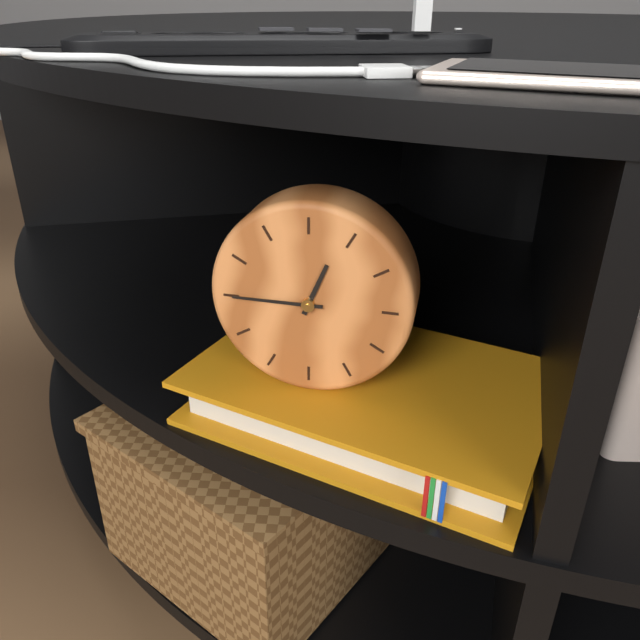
12:45
